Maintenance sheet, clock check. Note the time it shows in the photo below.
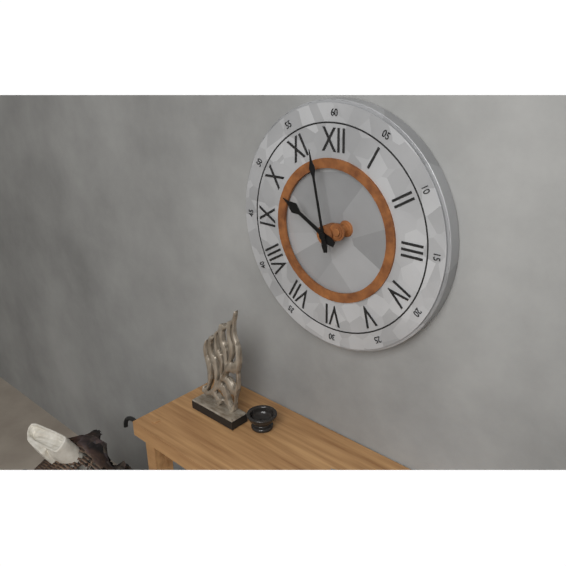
9:58
